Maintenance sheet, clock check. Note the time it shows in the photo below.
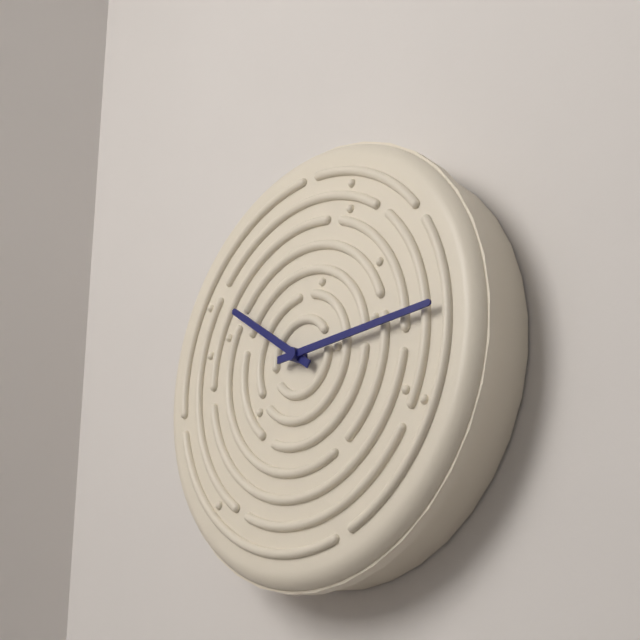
10:15
